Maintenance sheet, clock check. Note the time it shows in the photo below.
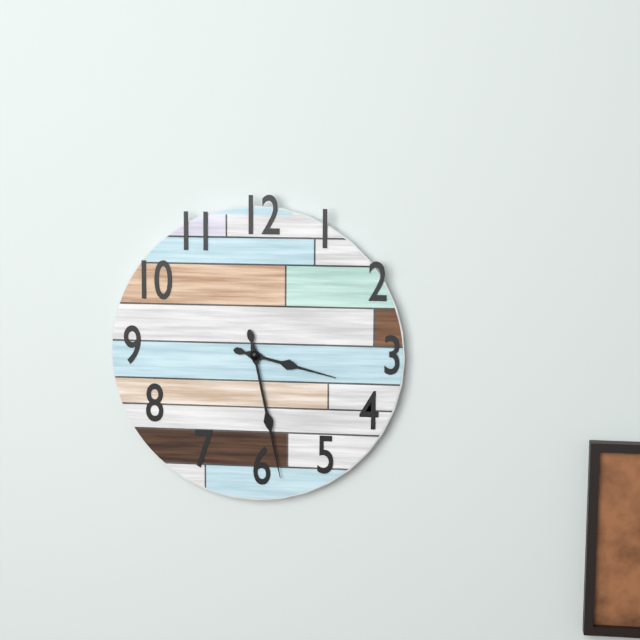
3:28
